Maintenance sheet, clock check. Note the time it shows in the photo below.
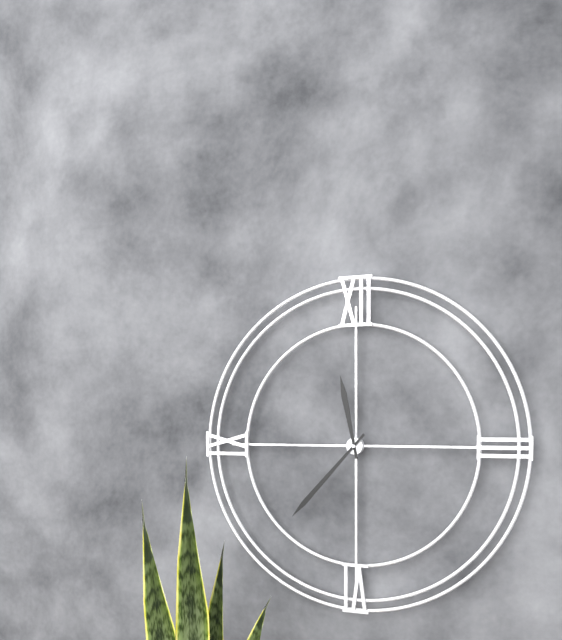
11:37
